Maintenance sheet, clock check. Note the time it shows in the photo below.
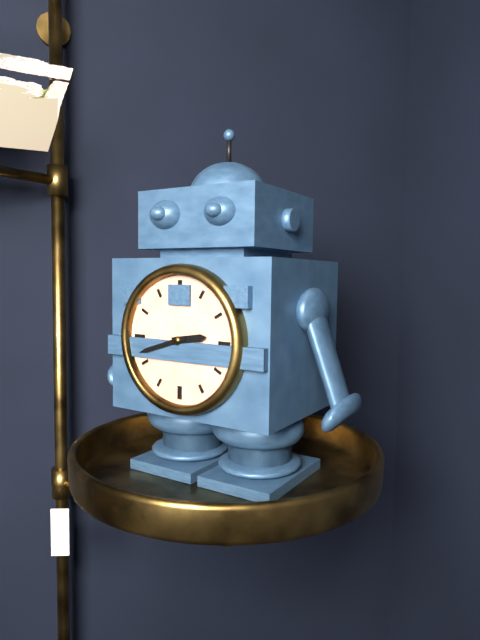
2:42
